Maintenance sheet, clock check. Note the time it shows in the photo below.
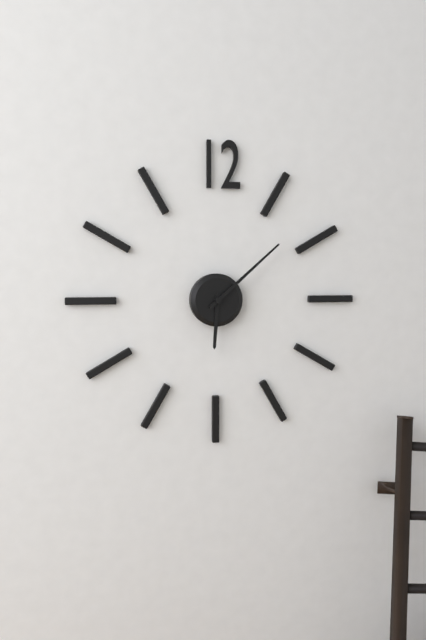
6:08
